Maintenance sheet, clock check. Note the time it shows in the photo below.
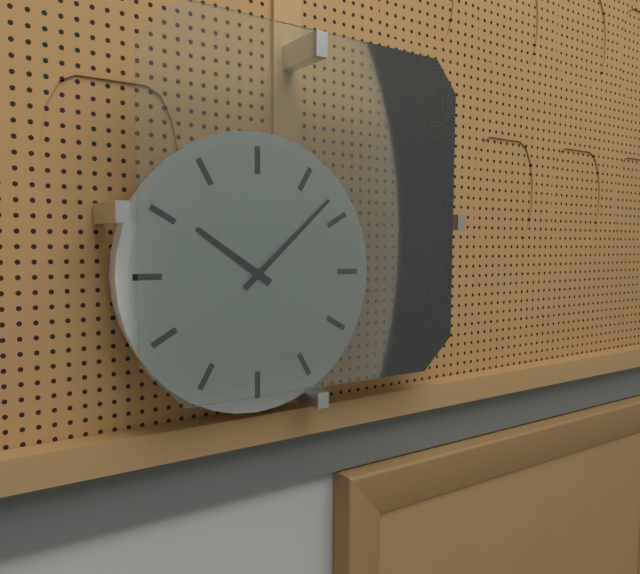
10:08
